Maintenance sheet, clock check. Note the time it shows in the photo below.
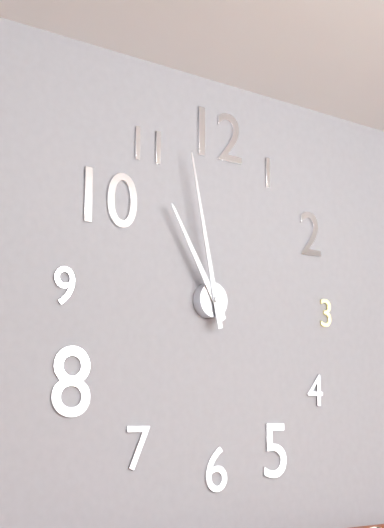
10:58
